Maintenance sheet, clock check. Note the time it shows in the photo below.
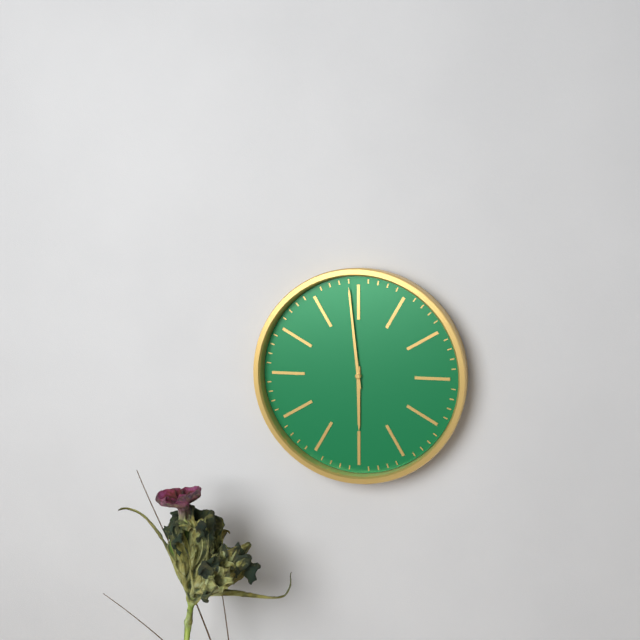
5:59
